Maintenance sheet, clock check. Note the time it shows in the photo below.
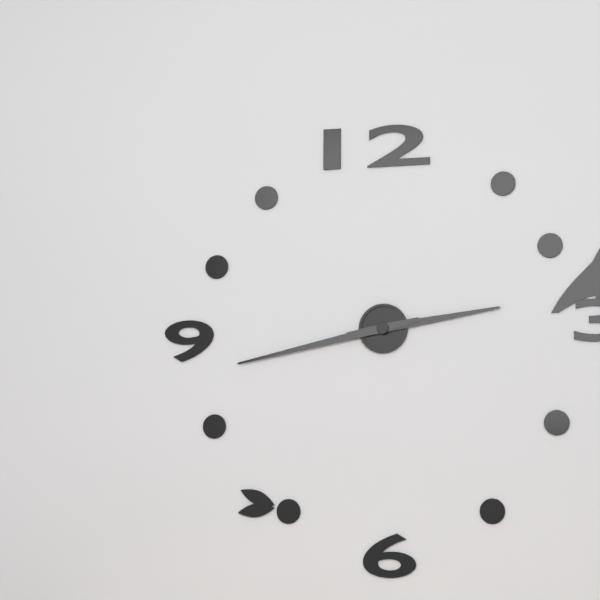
2:43
